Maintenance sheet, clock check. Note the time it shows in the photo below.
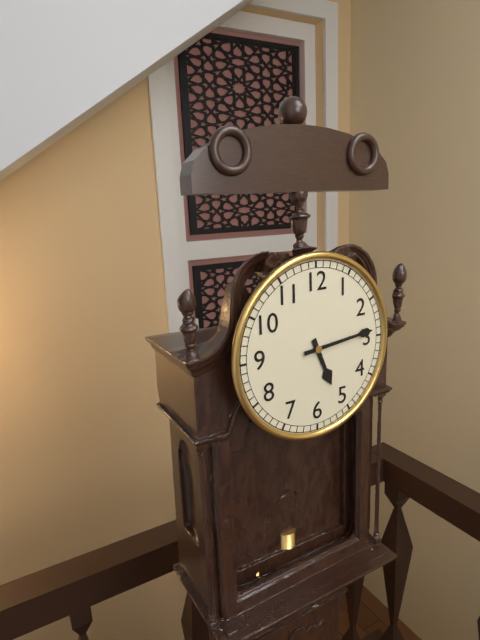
5:14
